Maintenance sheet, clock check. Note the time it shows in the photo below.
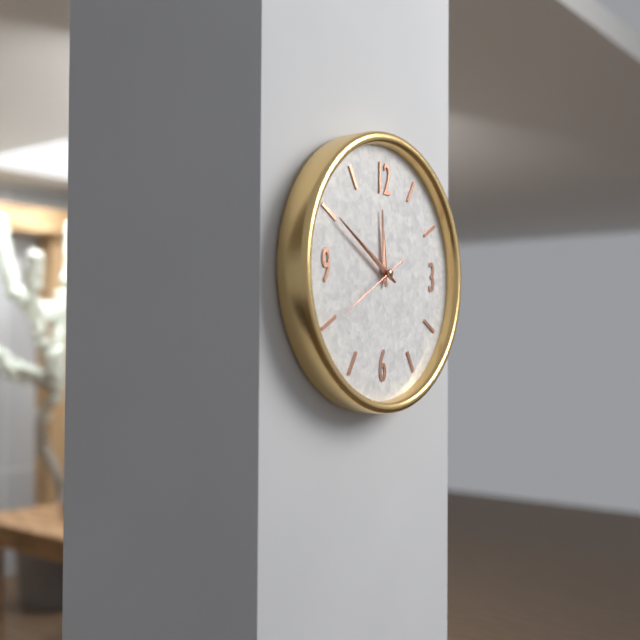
11:50:40
